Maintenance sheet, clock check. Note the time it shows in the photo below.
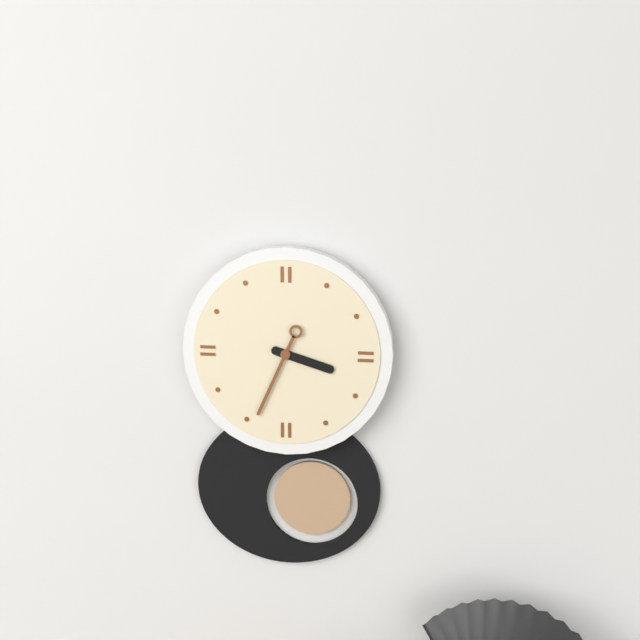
3:34
